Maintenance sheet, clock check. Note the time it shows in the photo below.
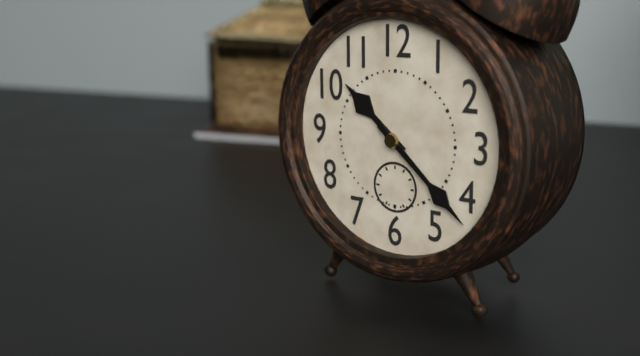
10:22
